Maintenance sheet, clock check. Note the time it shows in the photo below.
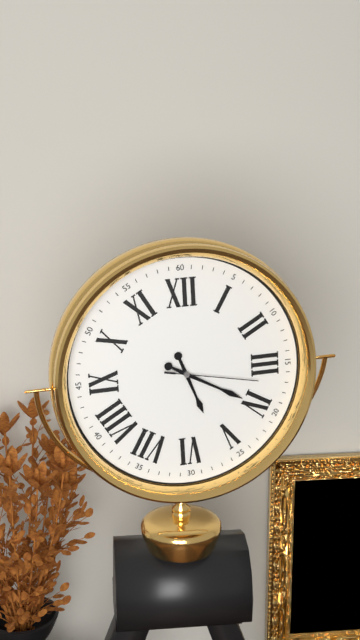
5:20:17
